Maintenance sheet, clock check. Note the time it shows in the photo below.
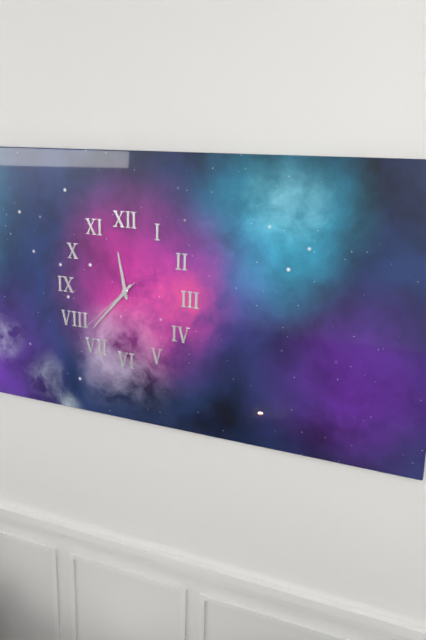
11:37:38
